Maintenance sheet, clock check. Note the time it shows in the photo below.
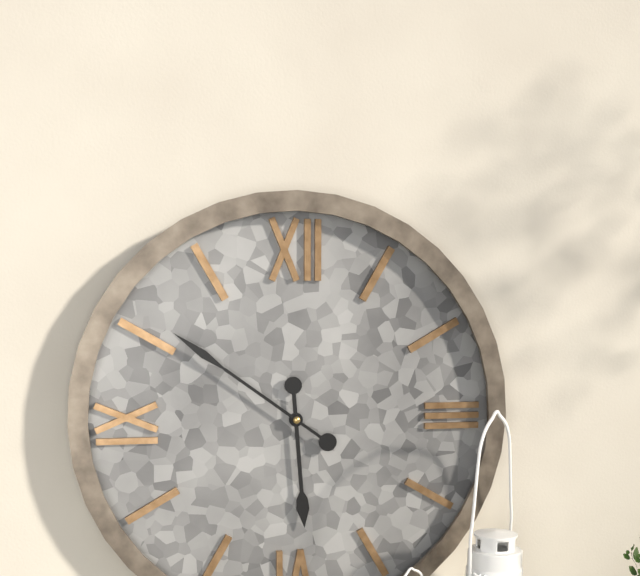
5:51
